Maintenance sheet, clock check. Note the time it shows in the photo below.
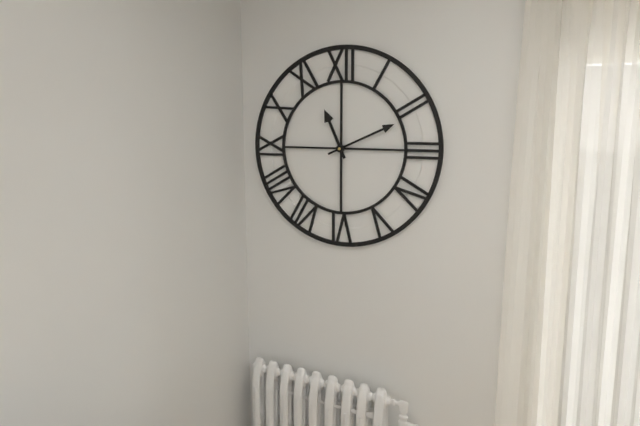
11:11
